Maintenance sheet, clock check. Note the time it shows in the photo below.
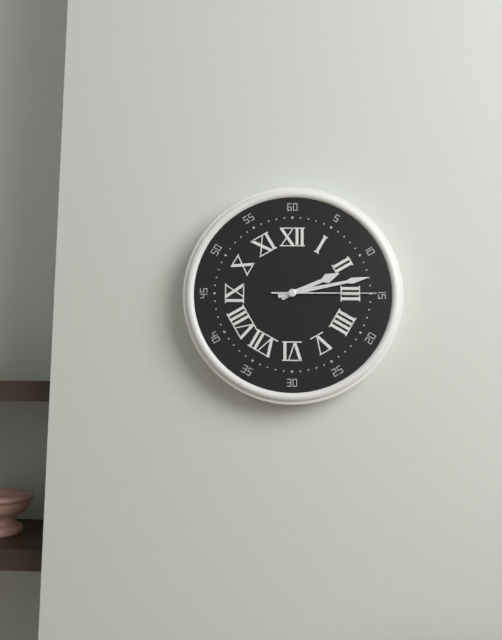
2:13:15
